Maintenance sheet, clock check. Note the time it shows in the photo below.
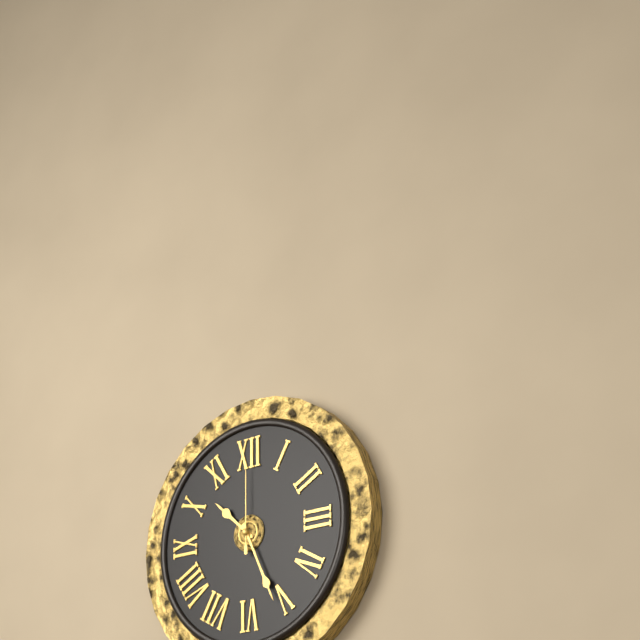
10:26:00
